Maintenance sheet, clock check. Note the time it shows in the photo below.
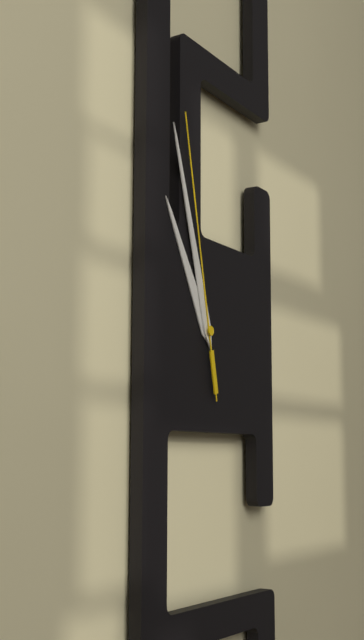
10:57:58
